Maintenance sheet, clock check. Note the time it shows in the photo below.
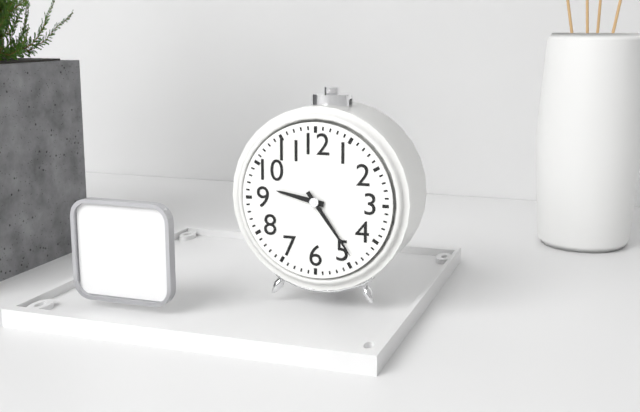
9:24
